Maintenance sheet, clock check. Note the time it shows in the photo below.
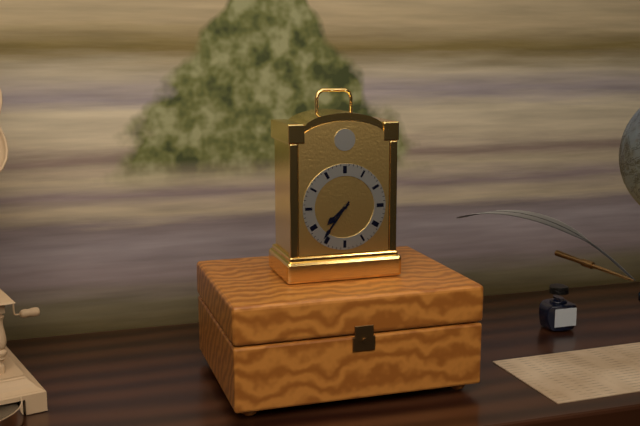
7:36
